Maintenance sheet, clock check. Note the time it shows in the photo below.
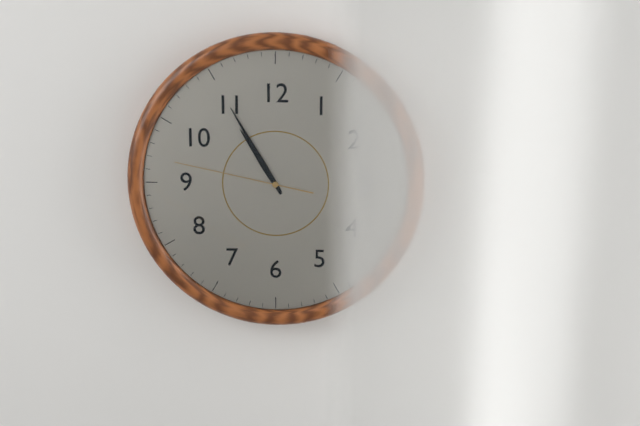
10:55:47
